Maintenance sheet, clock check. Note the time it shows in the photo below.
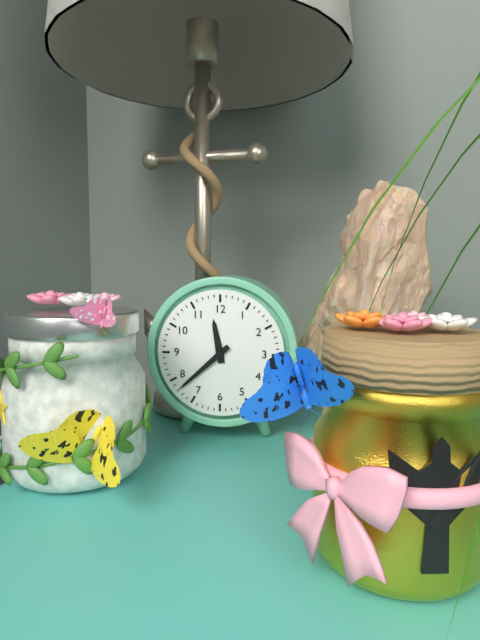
11:38
